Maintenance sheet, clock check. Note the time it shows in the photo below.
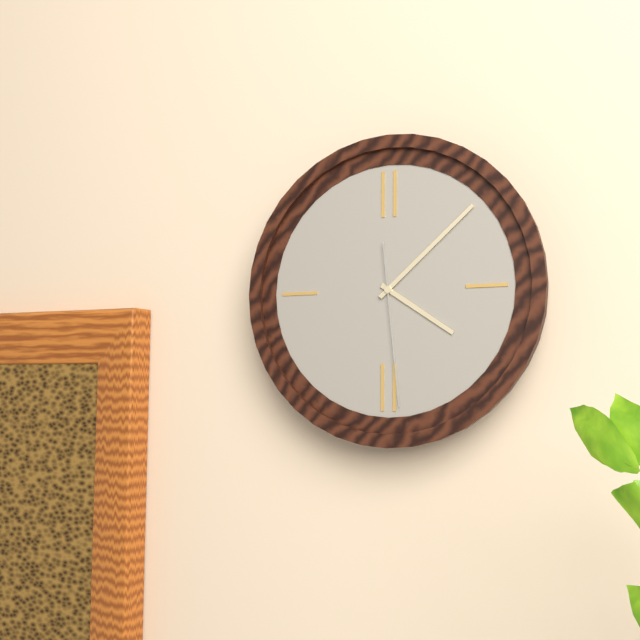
4:08:29
